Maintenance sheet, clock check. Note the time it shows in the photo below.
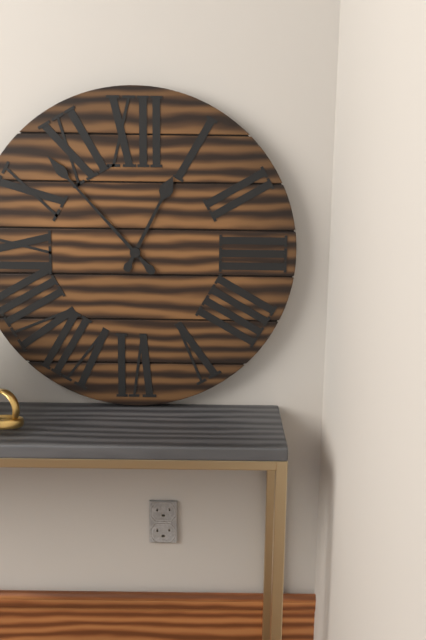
12:53
